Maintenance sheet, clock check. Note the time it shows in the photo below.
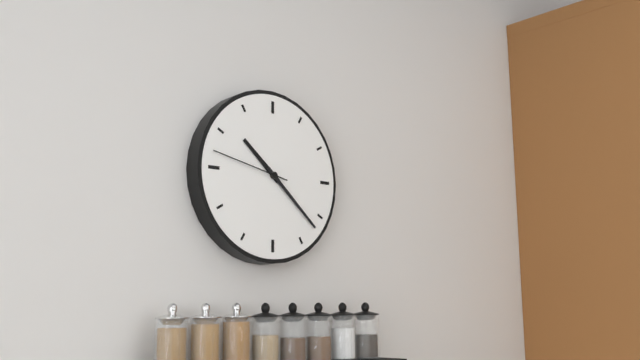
10:22:47
